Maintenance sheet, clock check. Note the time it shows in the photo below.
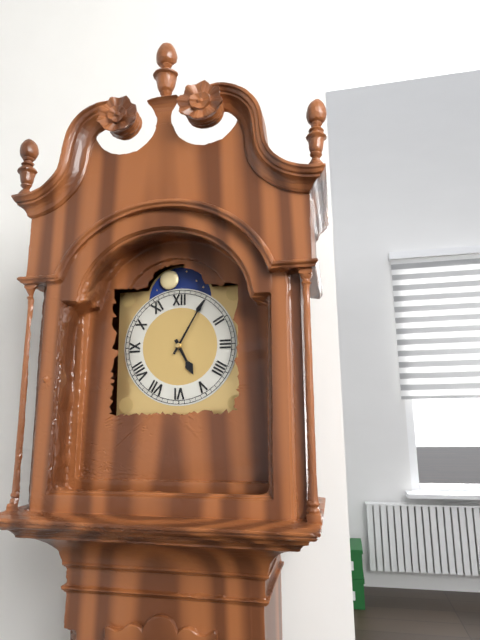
5:05
